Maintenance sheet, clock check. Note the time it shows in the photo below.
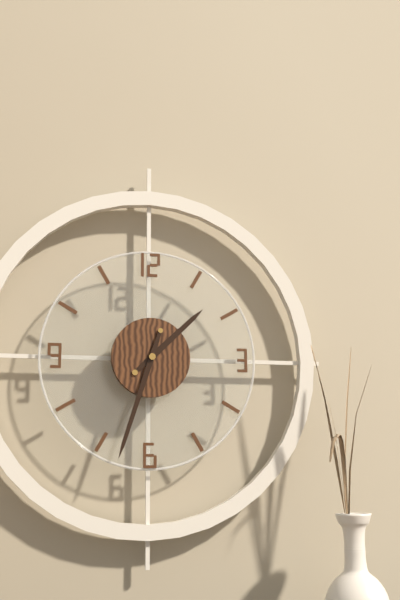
1:33
